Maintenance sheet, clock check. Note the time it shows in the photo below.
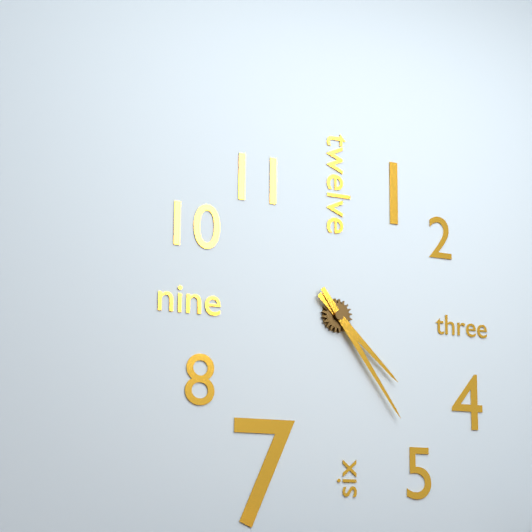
4:24
